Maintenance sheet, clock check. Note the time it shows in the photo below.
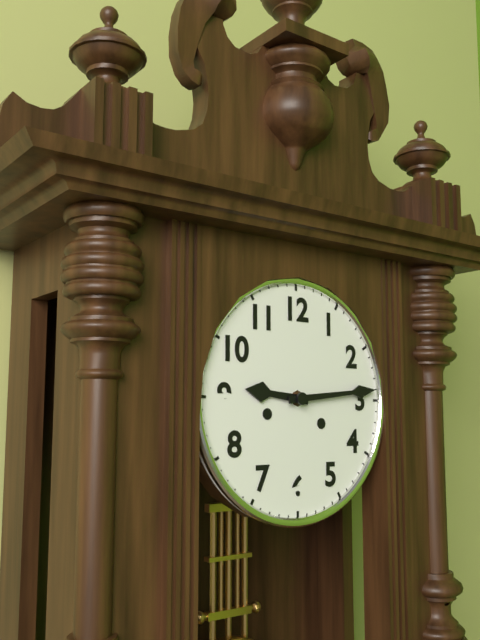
9:14
